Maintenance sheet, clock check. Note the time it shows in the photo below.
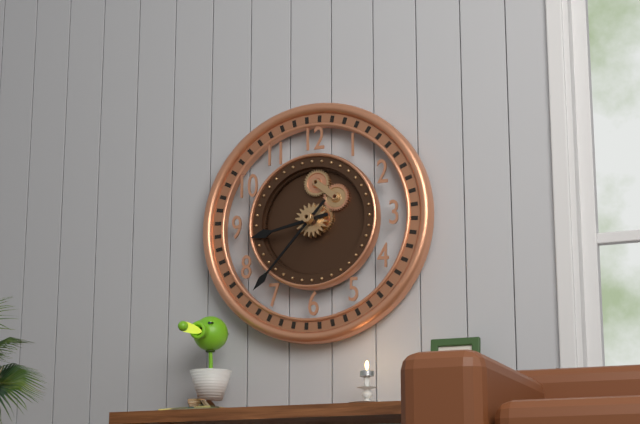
8:37
